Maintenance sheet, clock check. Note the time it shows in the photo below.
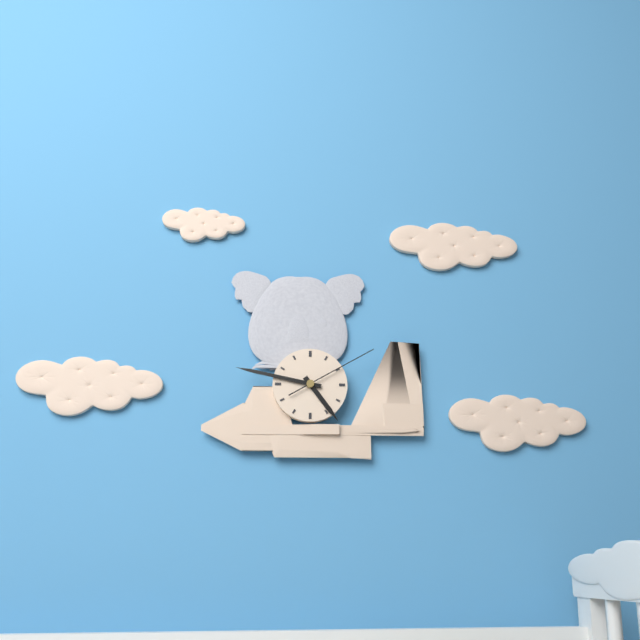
4:47:10
